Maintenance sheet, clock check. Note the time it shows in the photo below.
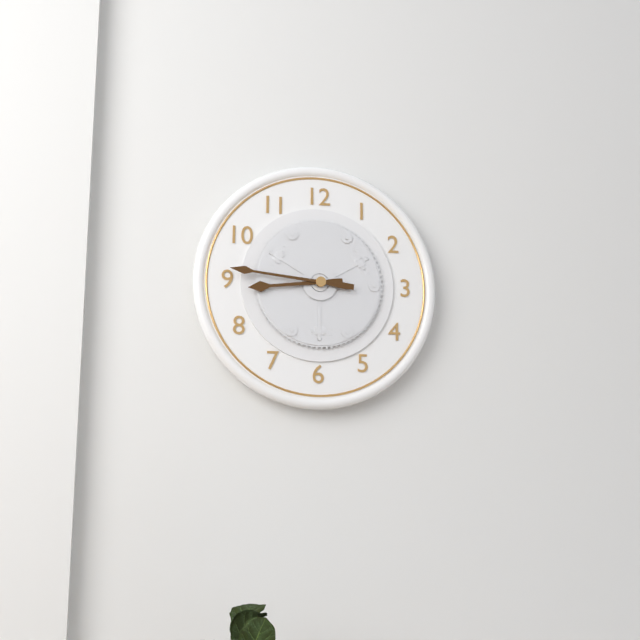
8:46
